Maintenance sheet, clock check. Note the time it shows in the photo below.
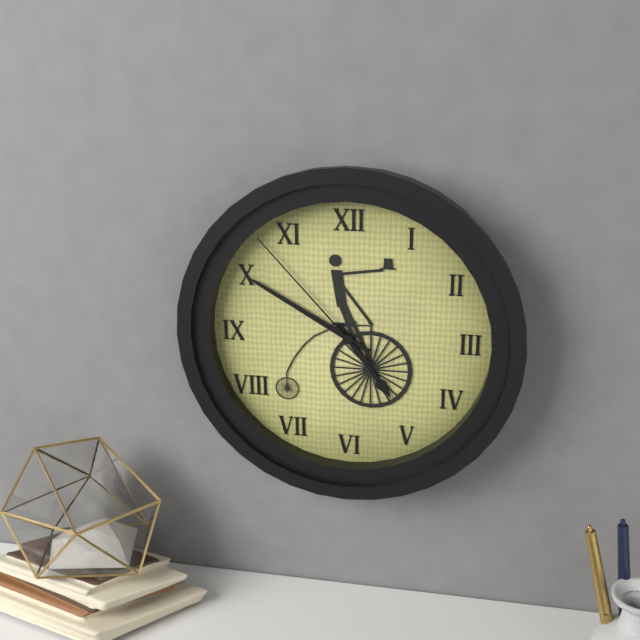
4:50:53
